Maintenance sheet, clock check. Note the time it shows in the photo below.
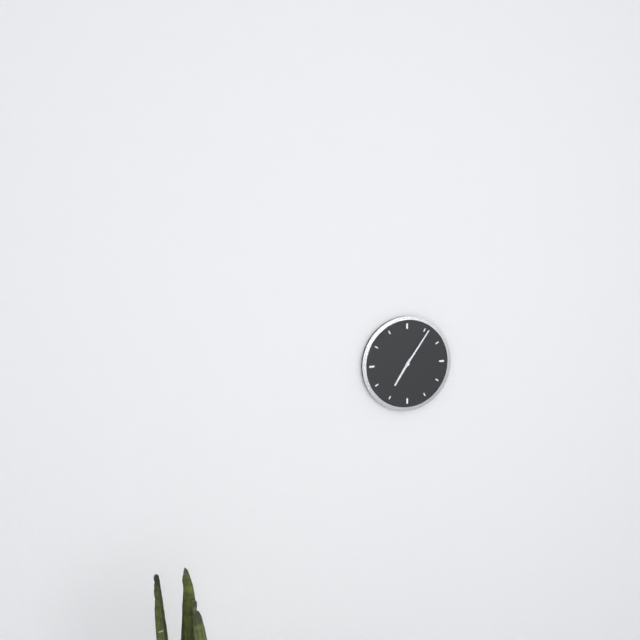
7:06
